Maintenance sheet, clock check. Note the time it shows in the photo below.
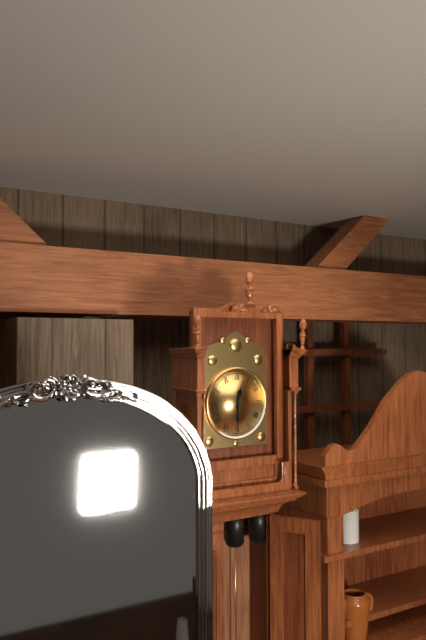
12:30
